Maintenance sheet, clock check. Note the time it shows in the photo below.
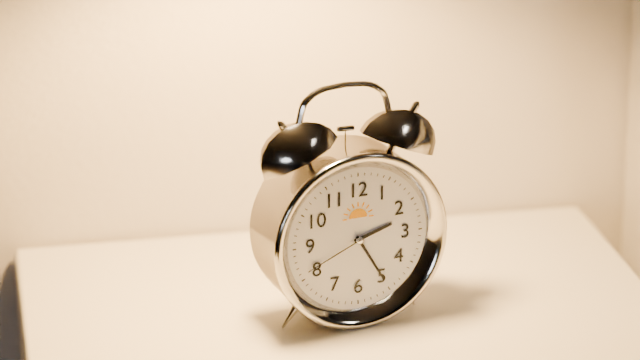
2:25:41
